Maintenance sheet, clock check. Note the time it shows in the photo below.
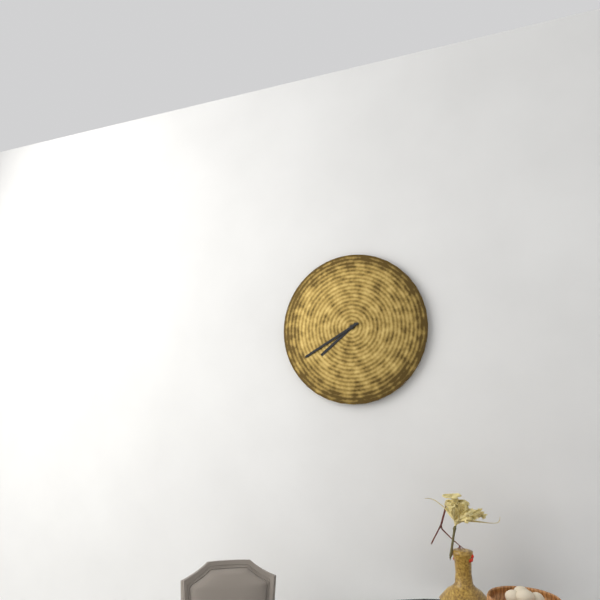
7:40
